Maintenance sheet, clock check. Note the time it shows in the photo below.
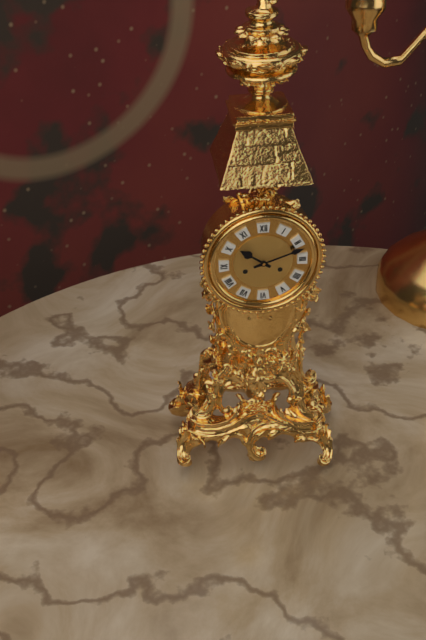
10:12
